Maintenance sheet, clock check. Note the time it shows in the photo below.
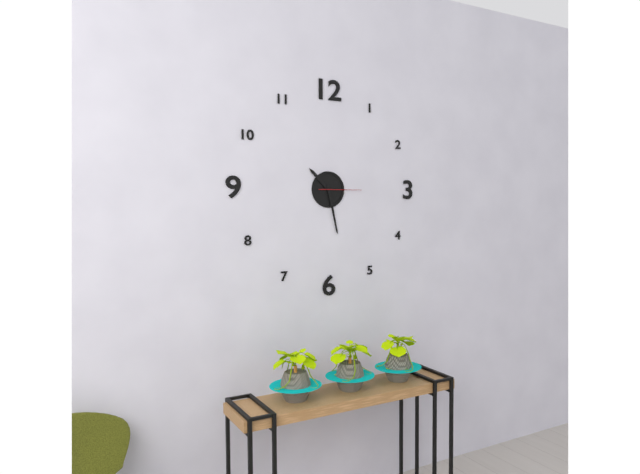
10:28
